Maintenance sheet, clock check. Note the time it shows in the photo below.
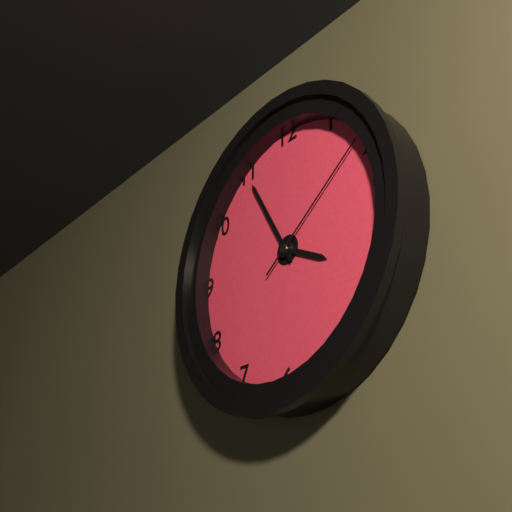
3:55:09
